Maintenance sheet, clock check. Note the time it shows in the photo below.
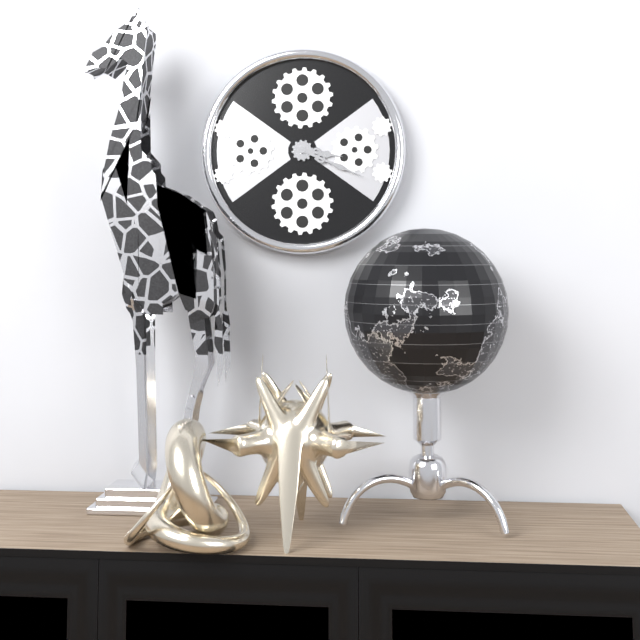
3:19
